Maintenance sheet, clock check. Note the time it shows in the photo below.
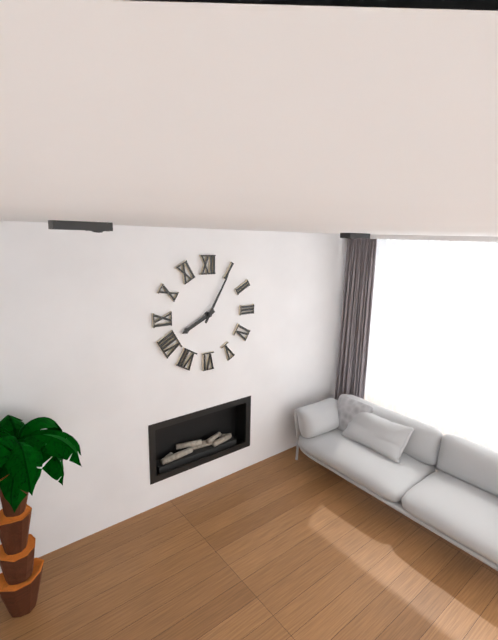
8:05
